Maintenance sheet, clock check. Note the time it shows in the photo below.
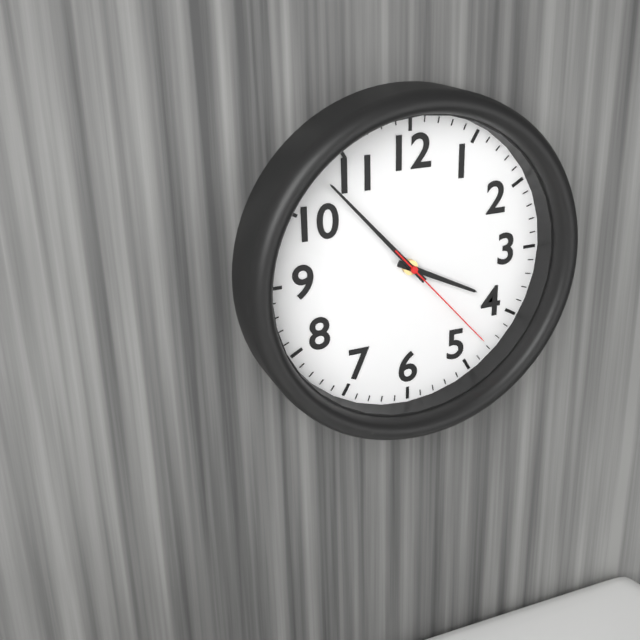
3:53:23
